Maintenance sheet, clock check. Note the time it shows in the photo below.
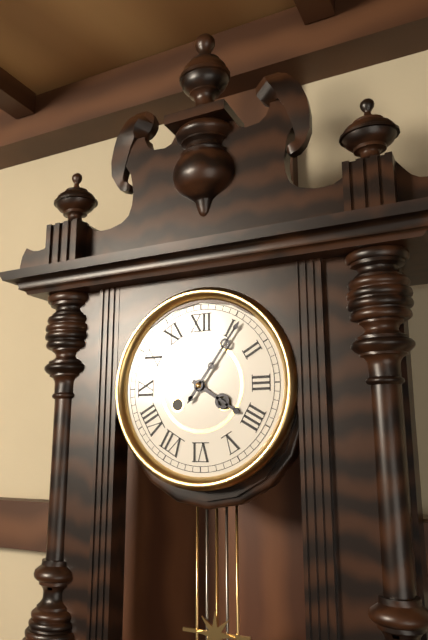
4:06
